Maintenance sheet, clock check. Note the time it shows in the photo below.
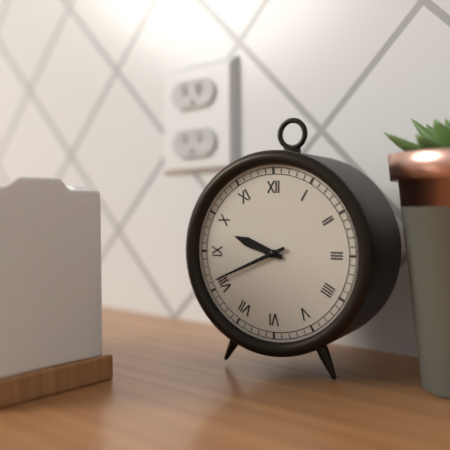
9:41
